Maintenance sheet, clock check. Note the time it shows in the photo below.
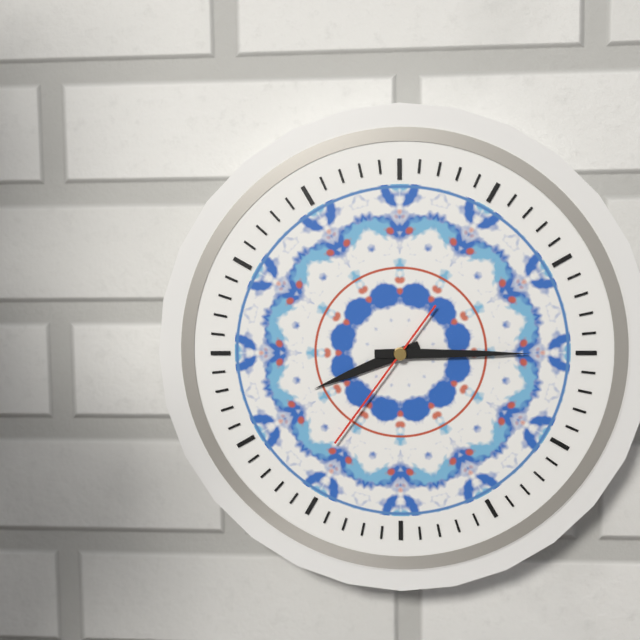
8:15:36
